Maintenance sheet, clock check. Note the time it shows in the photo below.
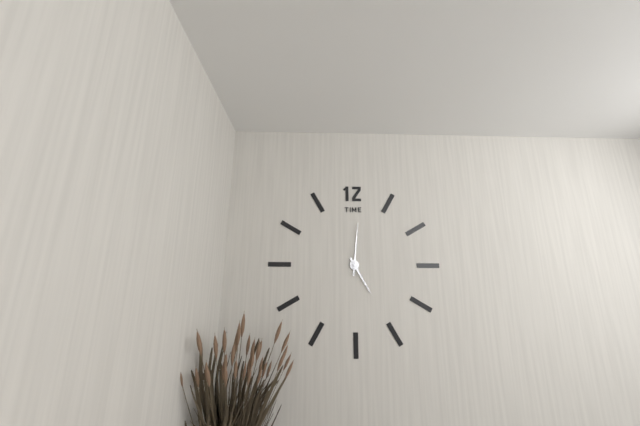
5:01
